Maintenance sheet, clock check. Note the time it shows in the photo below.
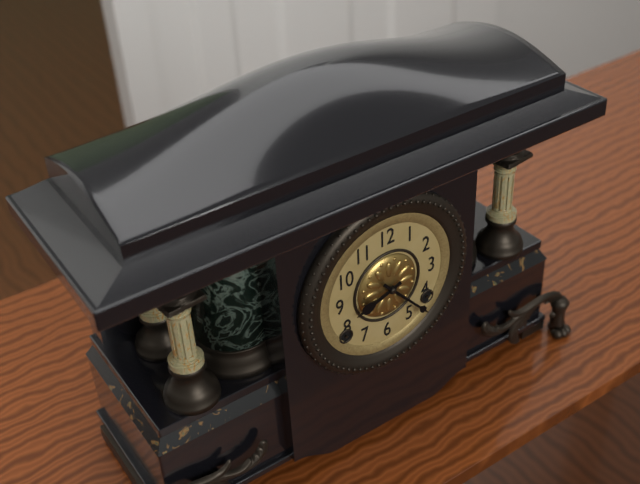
8:23
